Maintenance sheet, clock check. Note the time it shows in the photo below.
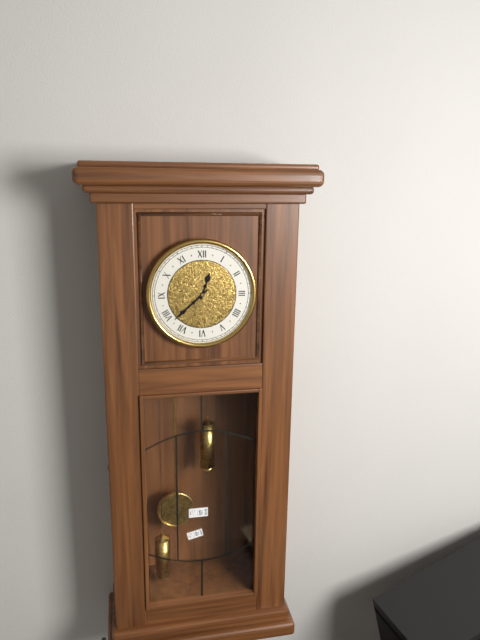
12:38
